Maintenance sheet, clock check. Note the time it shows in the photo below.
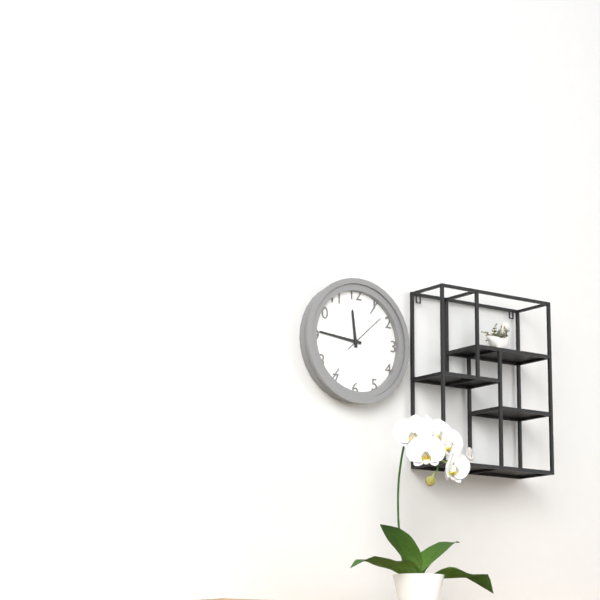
11:46
